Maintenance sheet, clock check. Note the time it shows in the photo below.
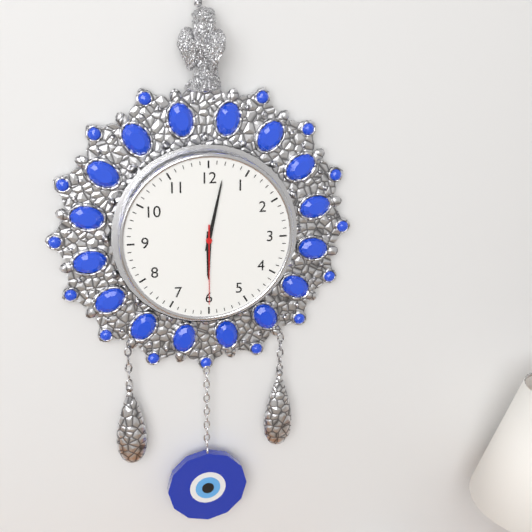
6:02:30
